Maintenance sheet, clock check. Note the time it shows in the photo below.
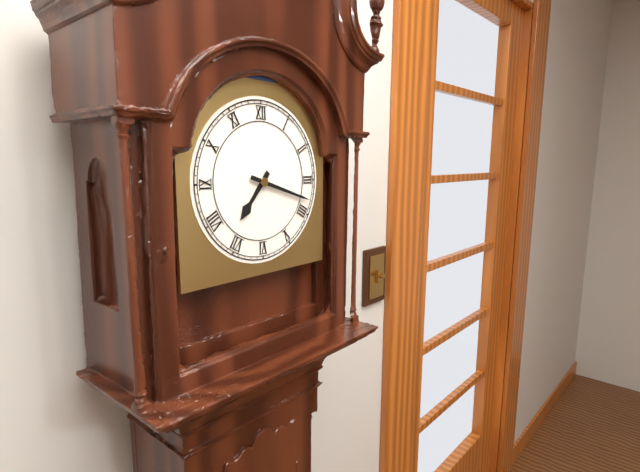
7:18
